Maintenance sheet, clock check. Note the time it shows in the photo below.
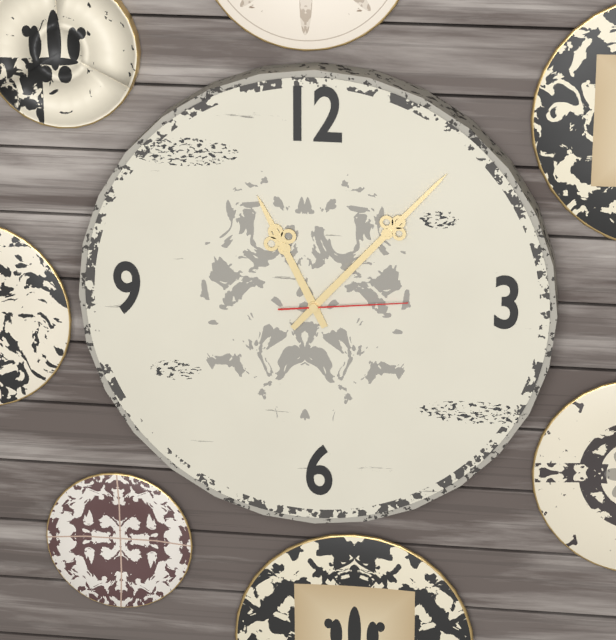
11:07:14
